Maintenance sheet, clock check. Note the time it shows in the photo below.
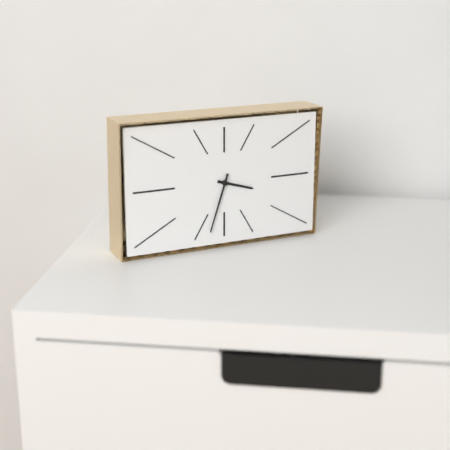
3:33
